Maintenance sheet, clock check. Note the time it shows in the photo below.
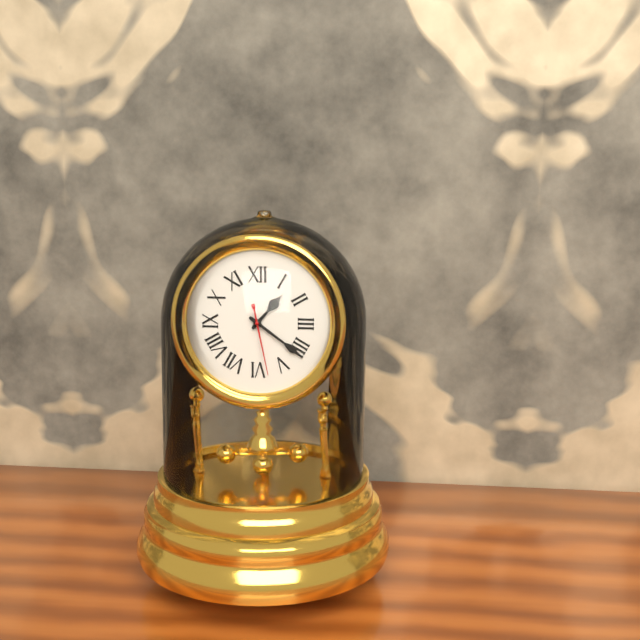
1:21:28
